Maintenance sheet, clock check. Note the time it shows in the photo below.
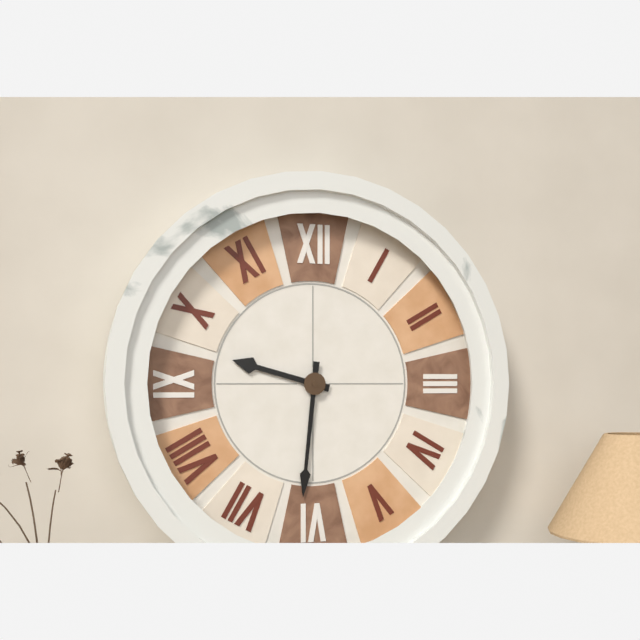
9:31
